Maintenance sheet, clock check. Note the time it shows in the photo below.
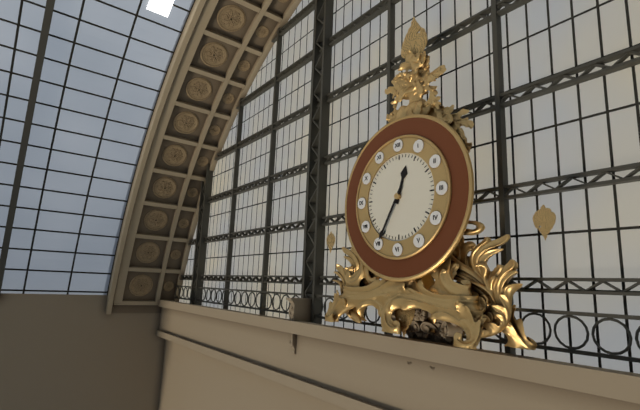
12:35
